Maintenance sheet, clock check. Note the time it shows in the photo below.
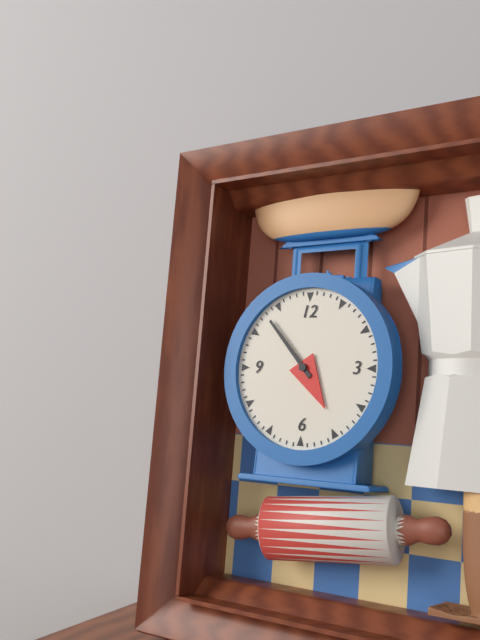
4:53
